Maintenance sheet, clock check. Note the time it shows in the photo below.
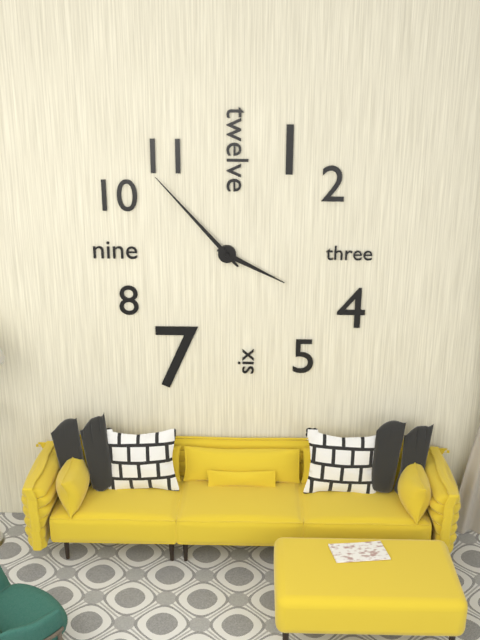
3:53
